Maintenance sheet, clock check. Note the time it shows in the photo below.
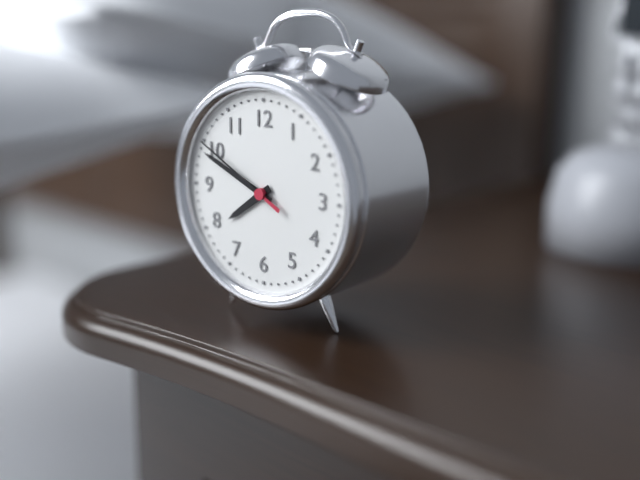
7:49:50
